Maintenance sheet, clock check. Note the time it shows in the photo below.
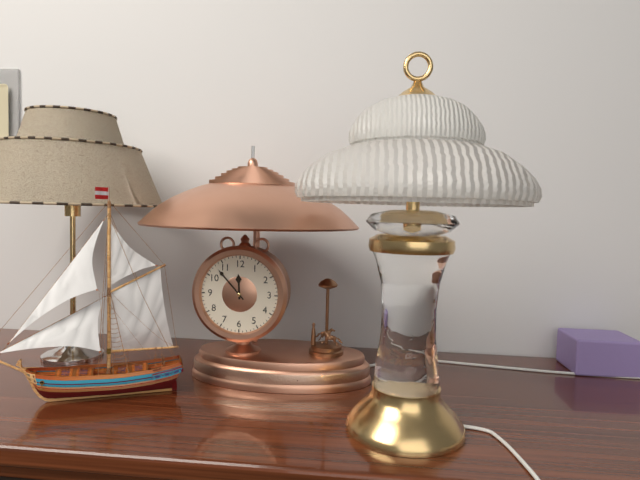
11:53
